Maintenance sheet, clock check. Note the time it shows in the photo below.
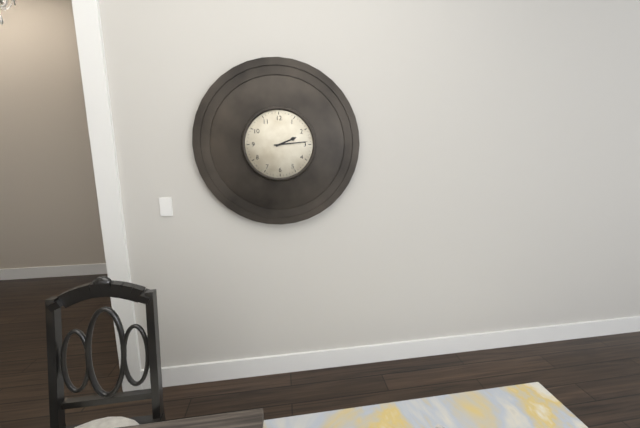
2:14
